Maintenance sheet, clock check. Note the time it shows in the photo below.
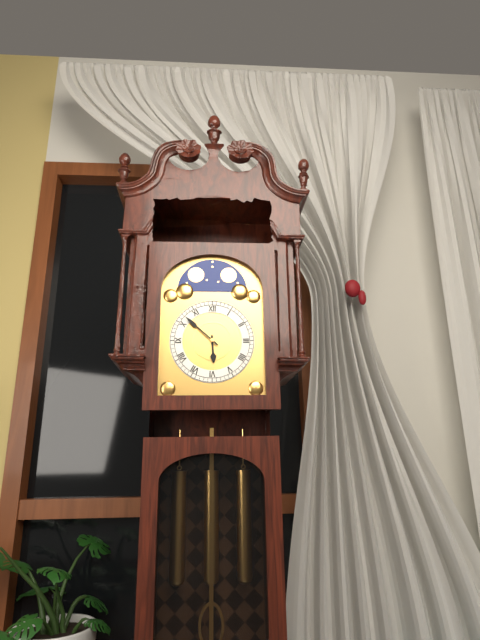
5:52
